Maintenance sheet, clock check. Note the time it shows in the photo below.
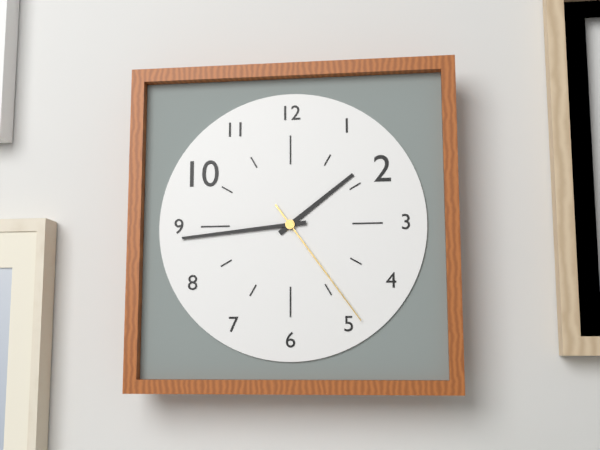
1:44:24
